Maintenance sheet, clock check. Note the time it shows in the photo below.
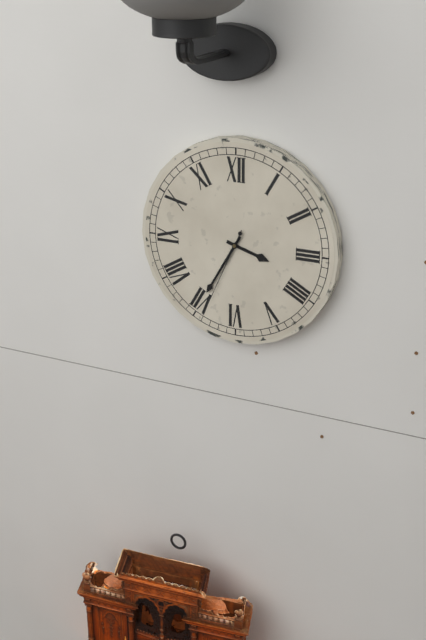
3:35:34
